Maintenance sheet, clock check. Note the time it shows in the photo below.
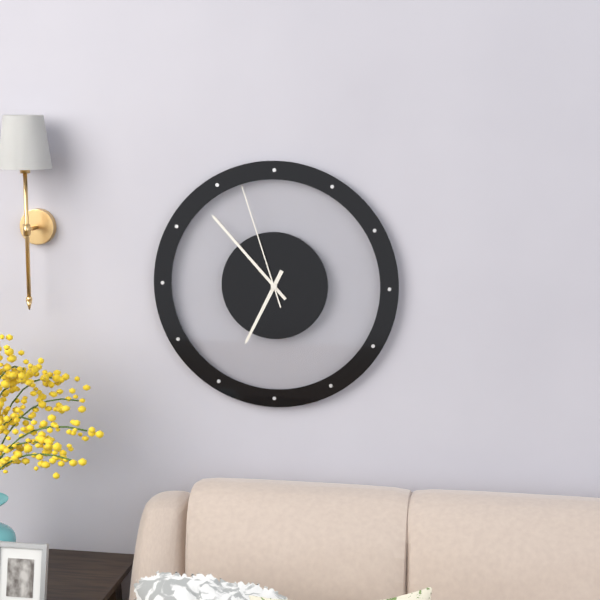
6:53:57
